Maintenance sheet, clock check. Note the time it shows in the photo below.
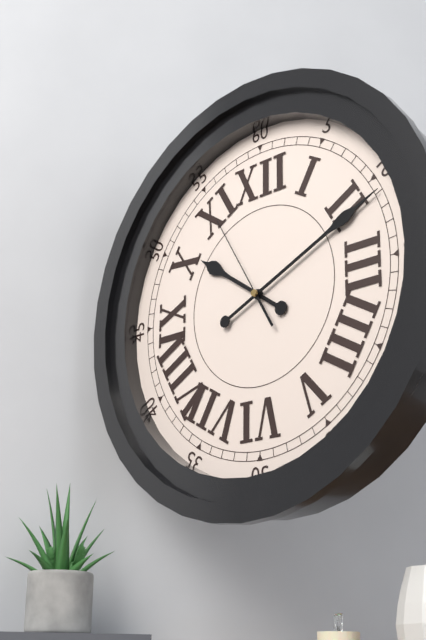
10:11:55
